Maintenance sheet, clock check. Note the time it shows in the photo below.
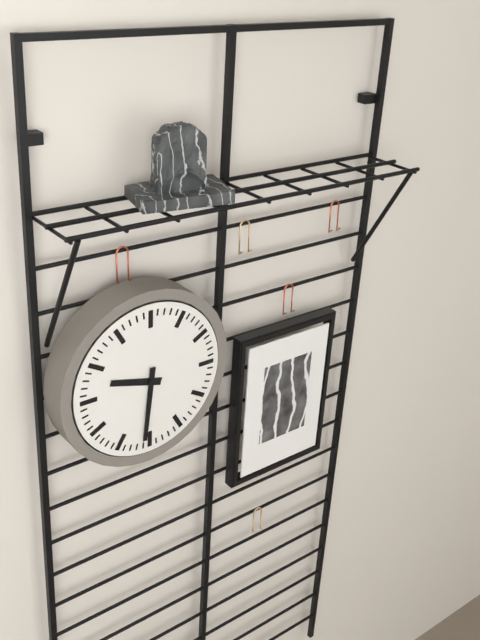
9:31
